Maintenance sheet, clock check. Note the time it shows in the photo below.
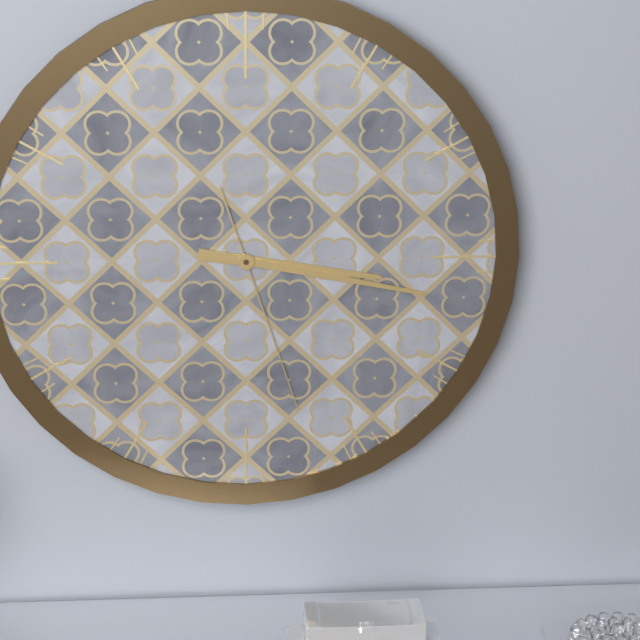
3:17:27
